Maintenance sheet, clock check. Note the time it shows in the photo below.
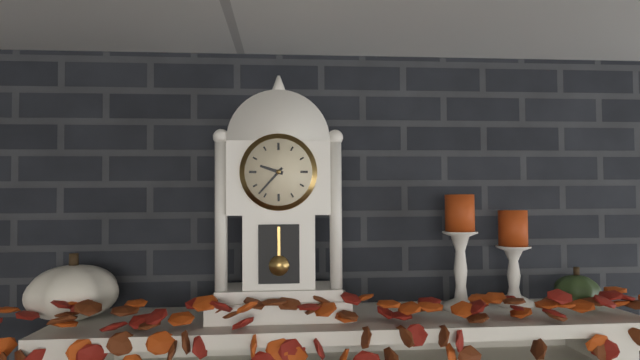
9:37
